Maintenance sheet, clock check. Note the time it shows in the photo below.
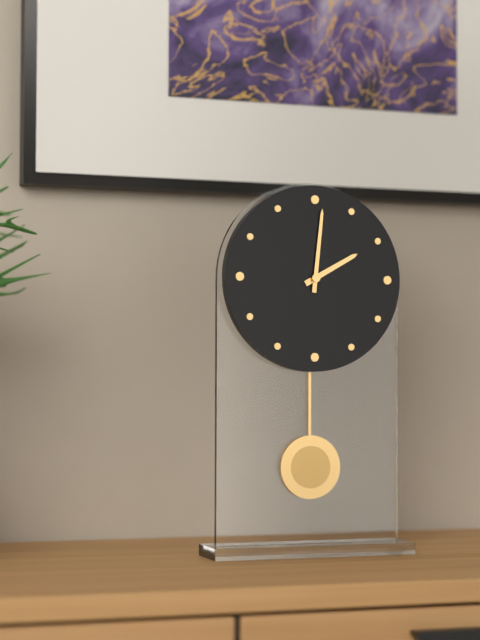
2:01
